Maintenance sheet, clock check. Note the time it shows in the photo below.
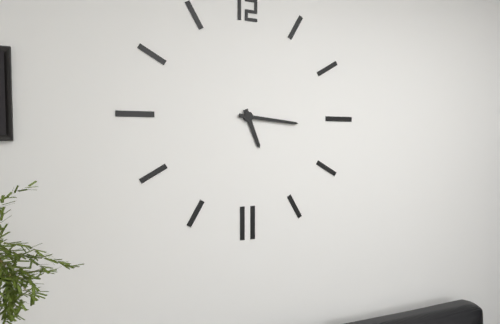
5:16
